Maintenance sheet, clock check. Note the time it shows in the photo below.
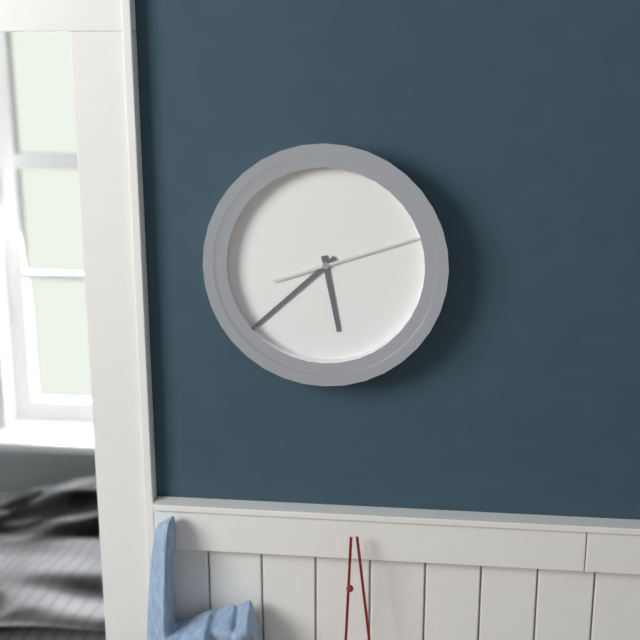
5:38:12
